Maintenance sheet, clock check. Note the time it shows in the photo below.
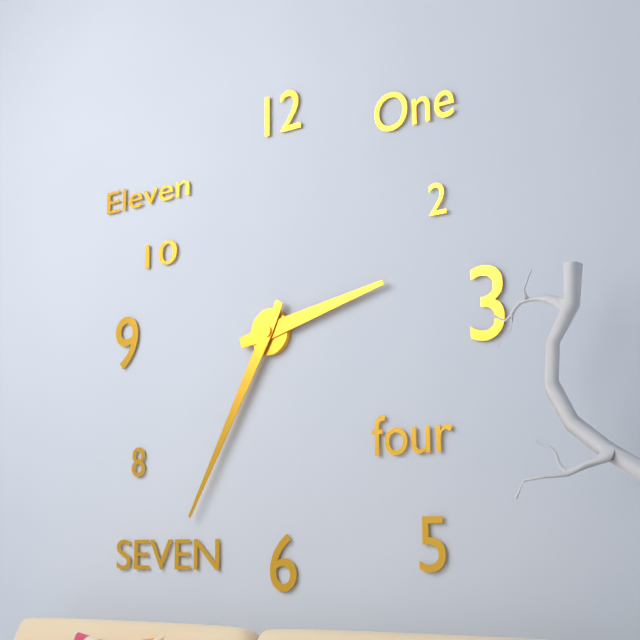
2:35
